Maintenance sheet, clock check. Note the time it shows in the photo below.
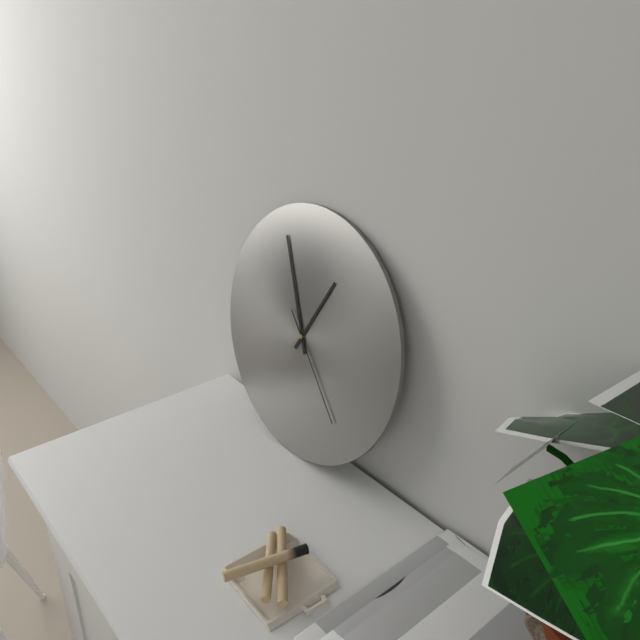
12:56:23
